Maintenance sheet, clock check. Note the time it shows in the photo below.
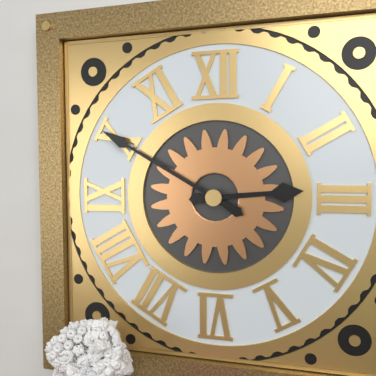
2:50
